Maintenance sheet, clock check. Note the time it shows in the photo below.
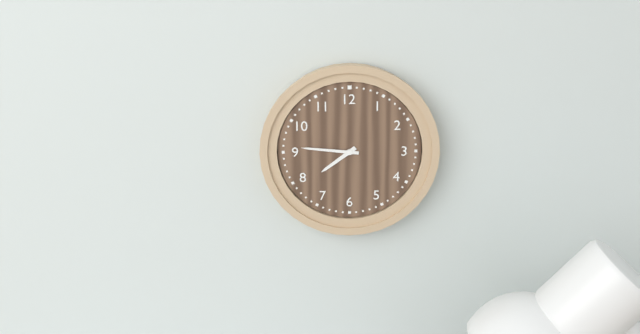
7:46
